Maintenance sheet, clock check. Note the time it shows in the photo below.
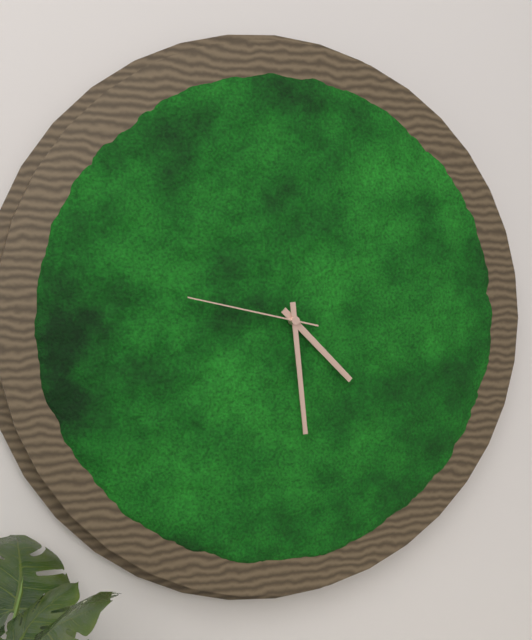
4:29:47
